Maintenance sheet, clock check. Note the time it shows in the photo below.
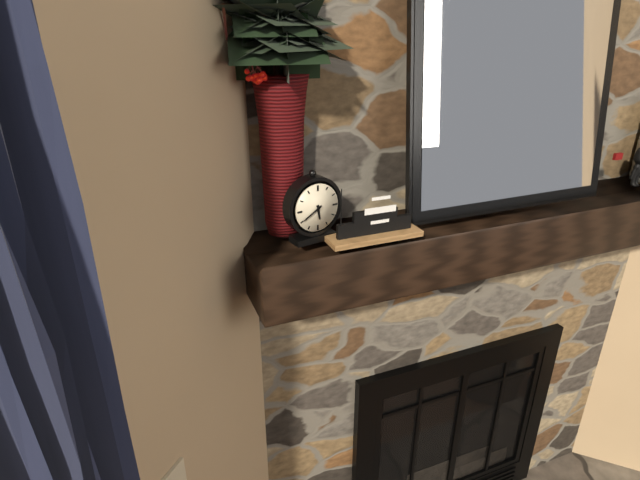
5:40
